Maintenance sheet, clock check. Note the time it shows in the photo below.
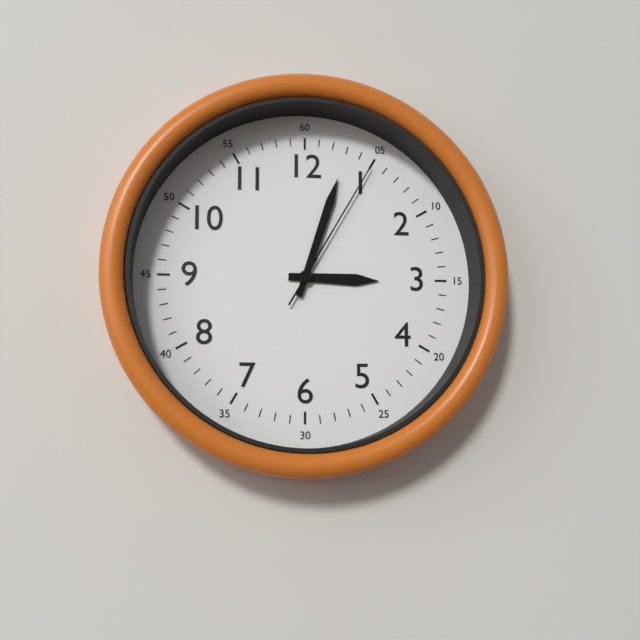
3:03:05
